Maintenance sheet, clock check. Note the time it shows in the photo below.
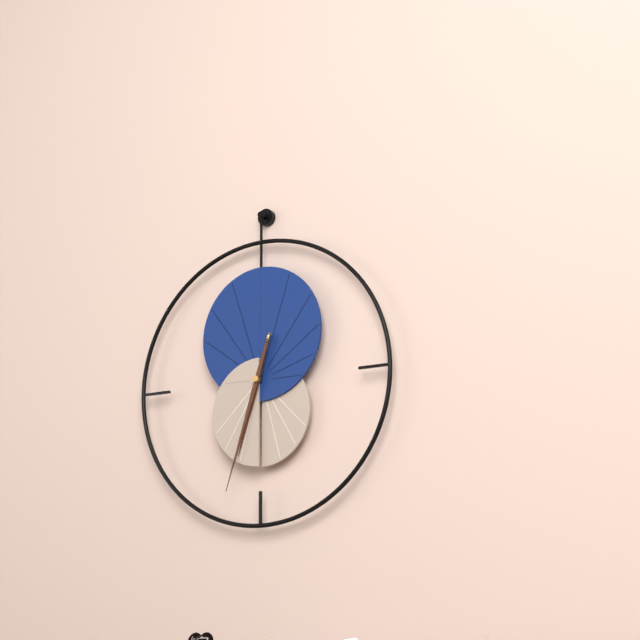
6:33
